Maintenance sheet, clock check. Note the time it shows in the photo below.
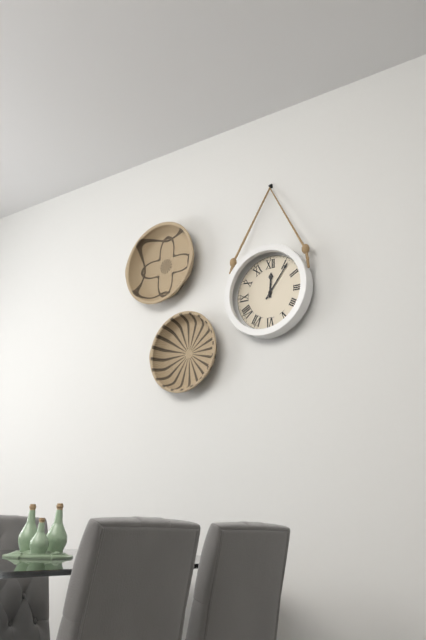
12:06
